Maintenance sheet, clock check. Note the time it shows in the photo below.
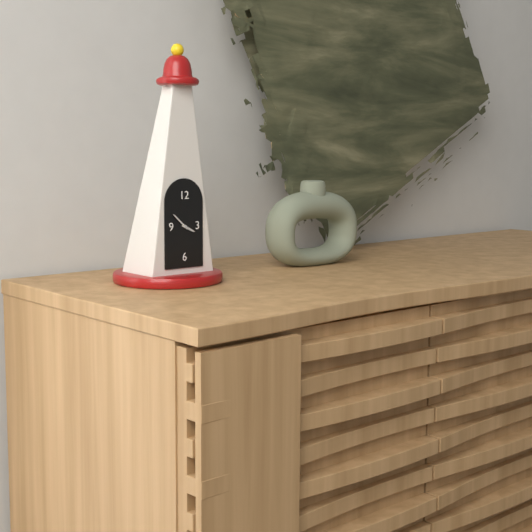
3:52
